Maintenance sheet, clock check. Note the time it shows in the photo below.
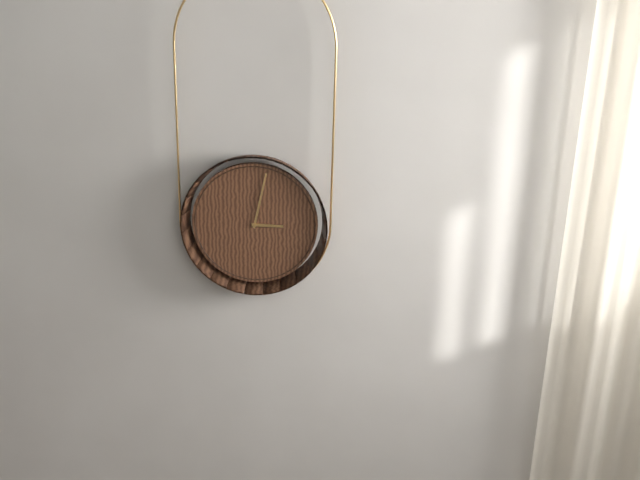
3:02
